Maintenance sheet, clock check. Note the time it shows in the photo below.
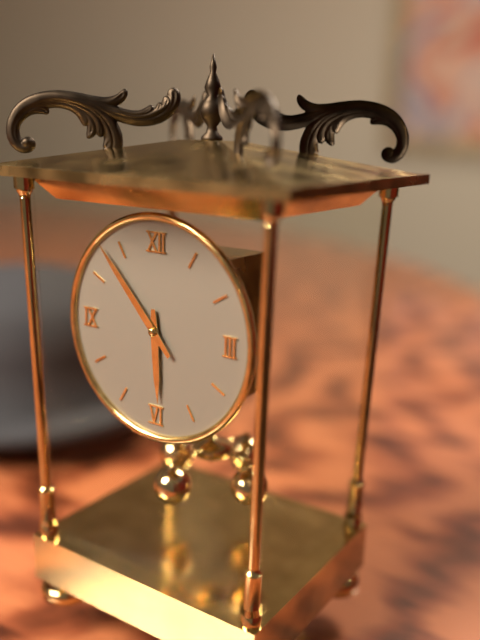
5:53
